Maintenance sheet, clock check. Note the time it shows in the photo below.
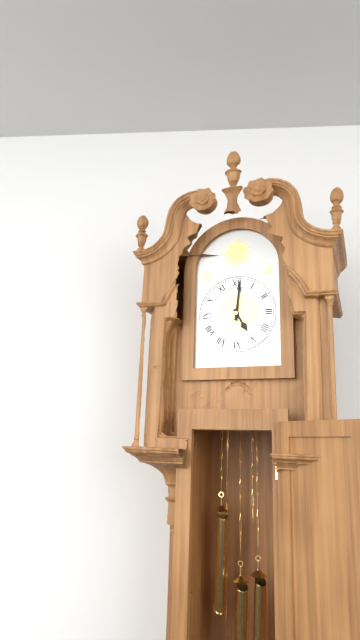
5:01
